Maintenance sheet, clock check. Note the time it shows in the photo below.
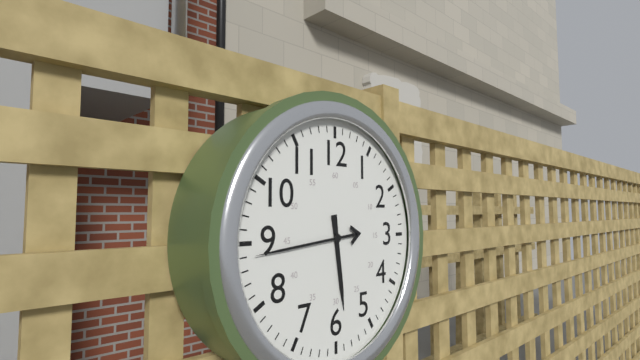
5:44
